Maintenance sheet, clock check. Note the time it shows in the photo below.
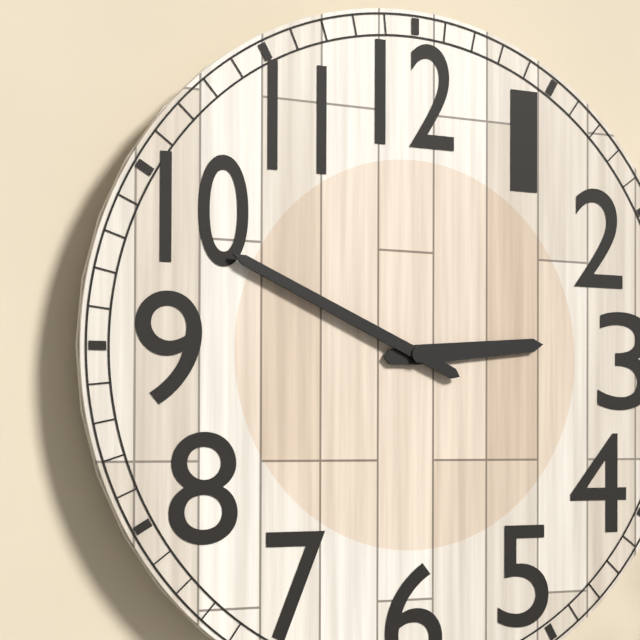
2:49
